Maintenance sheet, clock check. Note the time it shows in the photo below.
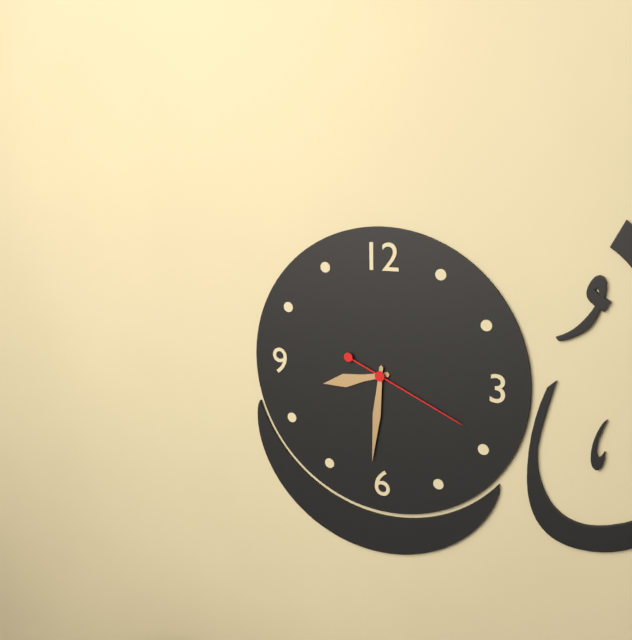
8:31:19
